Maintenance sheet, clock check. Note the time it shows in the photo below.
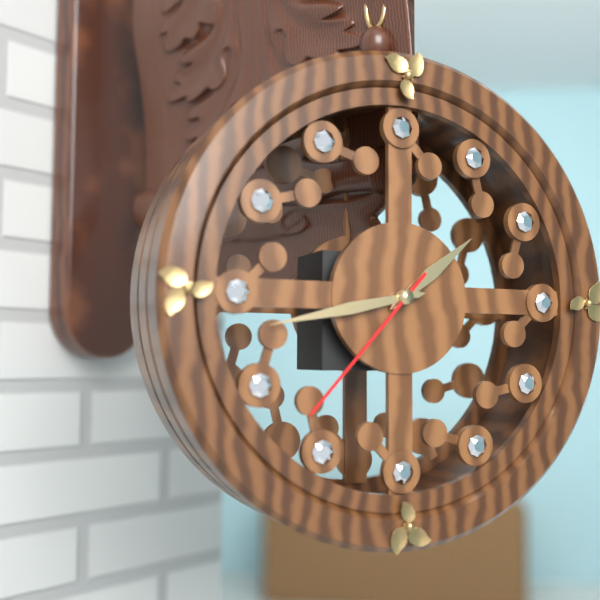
1:43:37
